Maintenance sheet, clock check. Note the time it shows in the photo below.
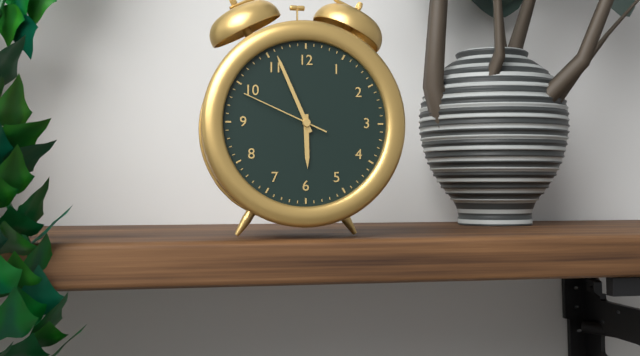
5:56:49
